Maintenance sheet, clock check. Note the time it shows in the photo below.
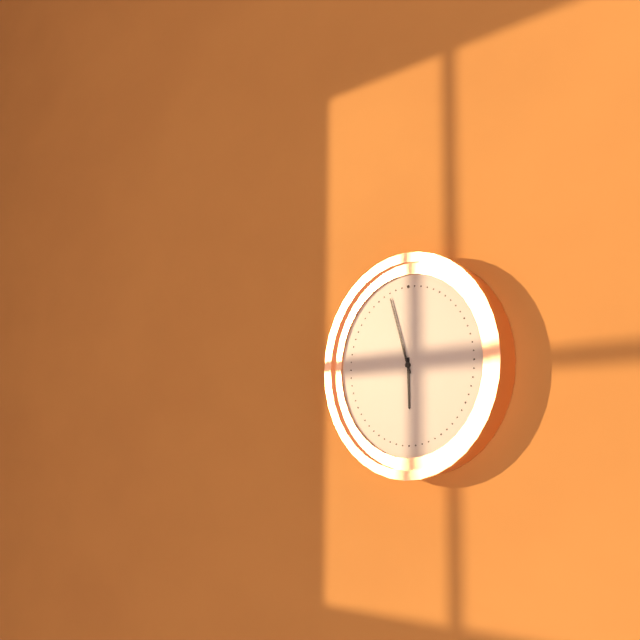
5:57
